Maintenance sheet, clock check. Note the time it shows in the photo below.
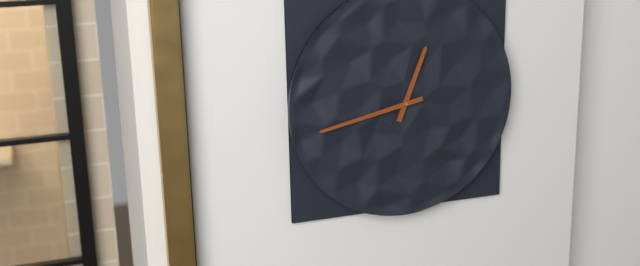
12:43
